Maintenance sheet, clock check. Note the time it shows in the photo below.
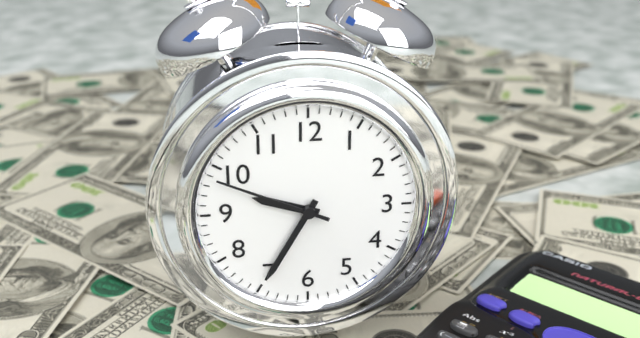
9:35:49
